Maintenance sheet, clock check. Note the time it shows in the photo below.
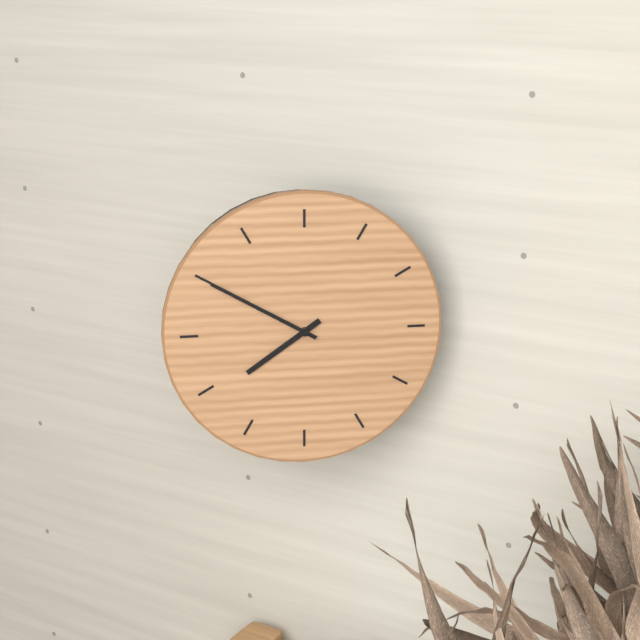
7:50
